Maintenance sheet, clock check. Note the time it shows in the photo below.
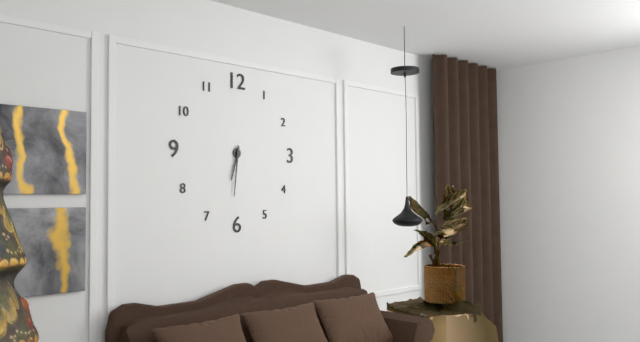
6:31
